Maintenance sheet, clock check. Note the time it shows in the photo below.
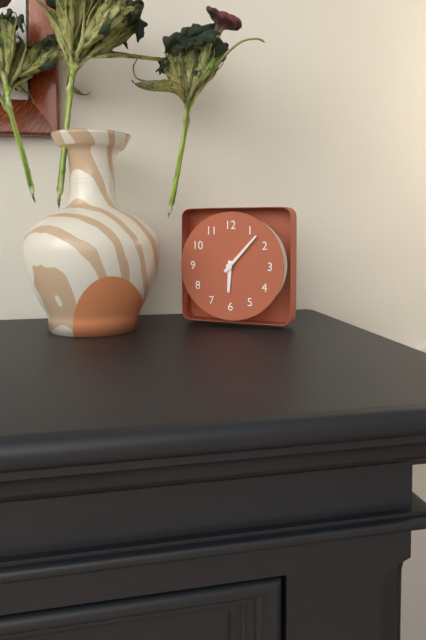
6:07
